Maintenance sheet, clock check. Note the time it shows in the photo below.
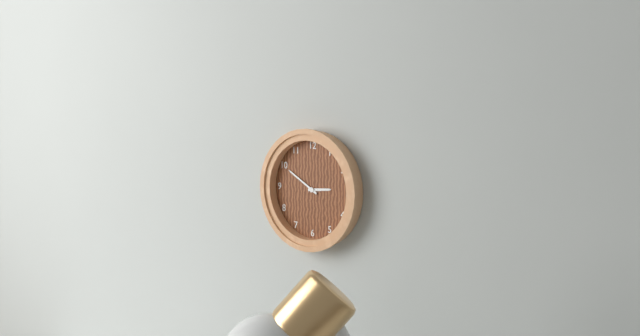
2:50
